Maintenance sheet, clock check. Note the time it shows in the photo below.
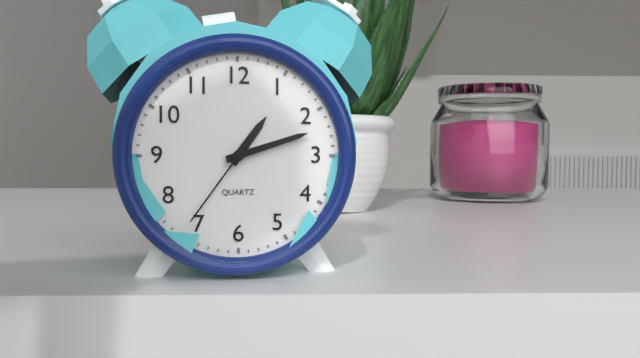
1:12:36
